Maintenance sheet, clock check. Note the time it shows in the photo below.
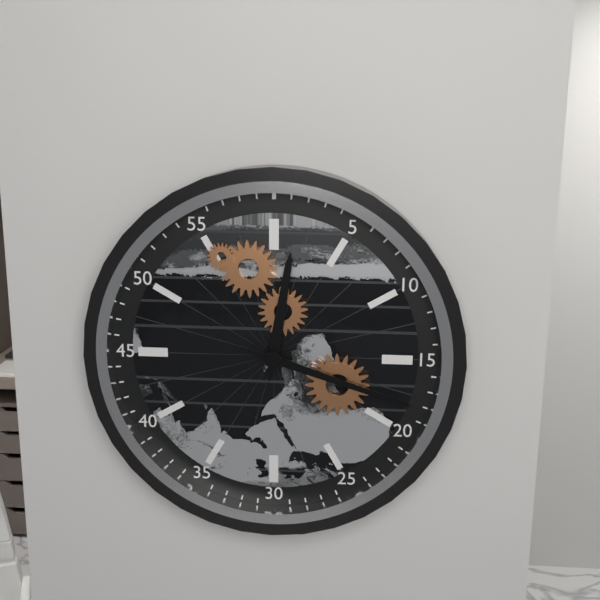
12:18
